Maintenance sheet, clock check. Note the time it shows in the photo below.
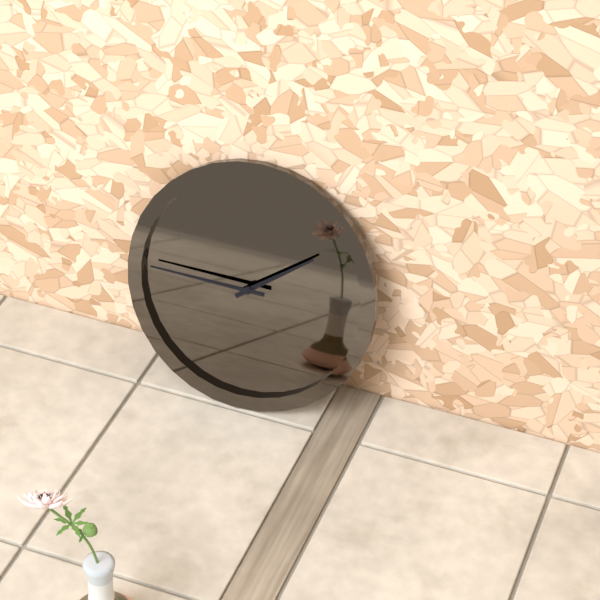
1:45
